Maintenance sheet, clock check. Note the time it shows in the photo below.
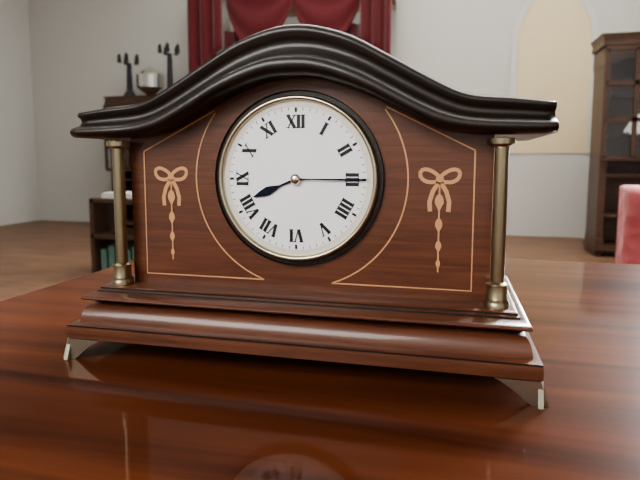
8:15
